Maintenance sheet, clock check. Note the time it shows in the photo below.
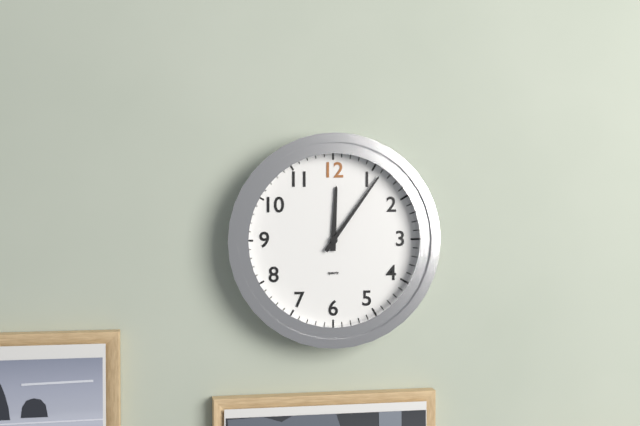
12:06
